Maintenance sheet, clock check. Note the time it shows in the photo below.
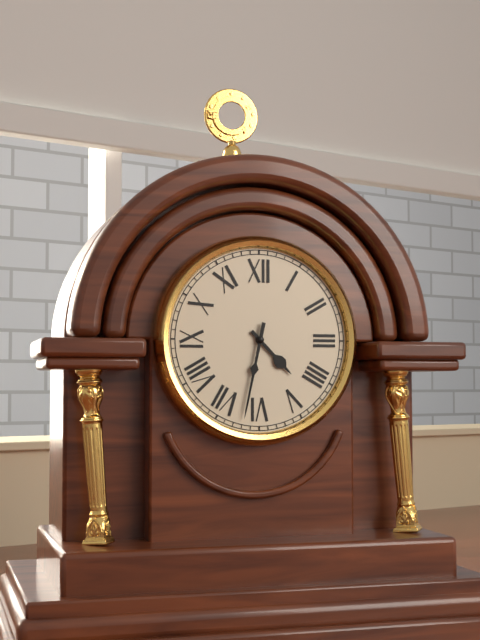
4:32
